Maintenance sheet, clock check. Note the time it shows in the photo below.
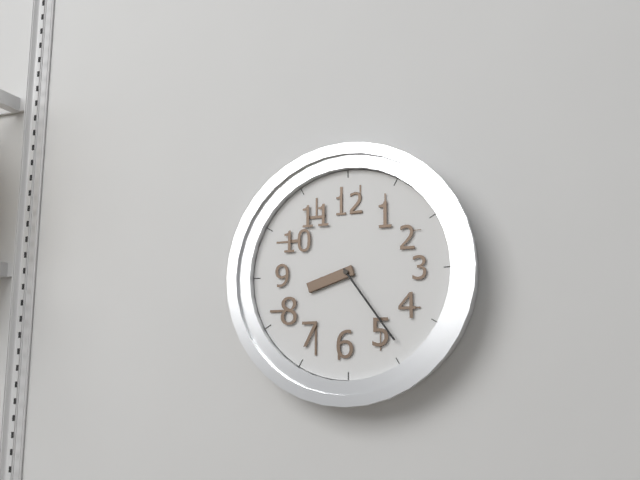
8:24
